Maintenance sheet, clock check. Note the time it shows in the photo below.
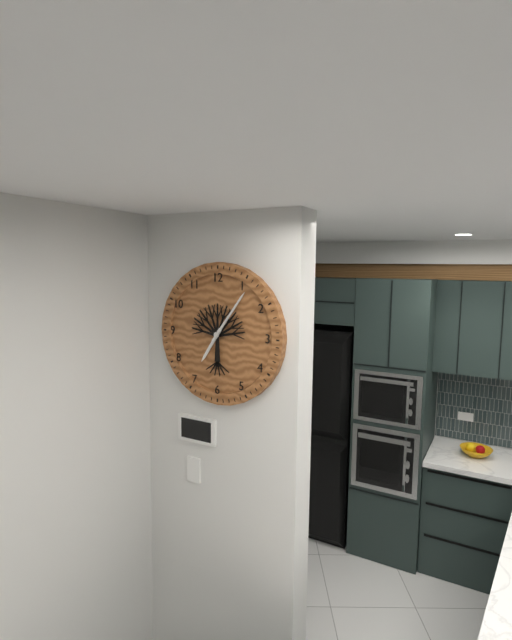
7:06
